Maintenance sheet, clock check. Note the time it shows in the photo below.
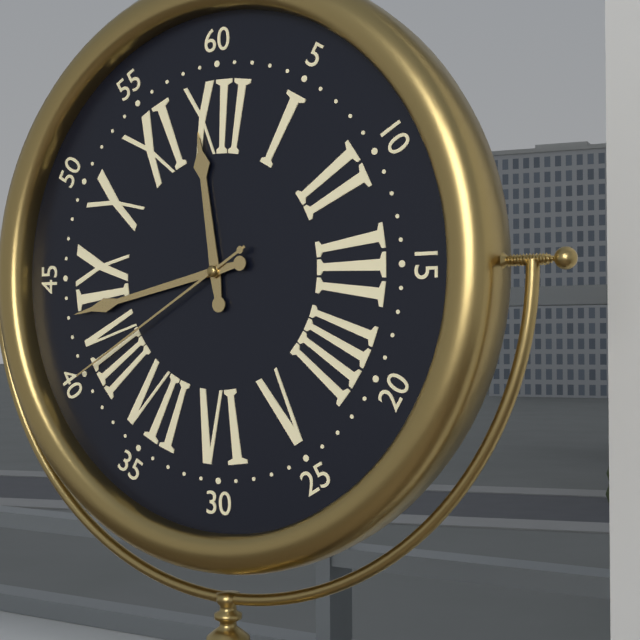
11:43:40
